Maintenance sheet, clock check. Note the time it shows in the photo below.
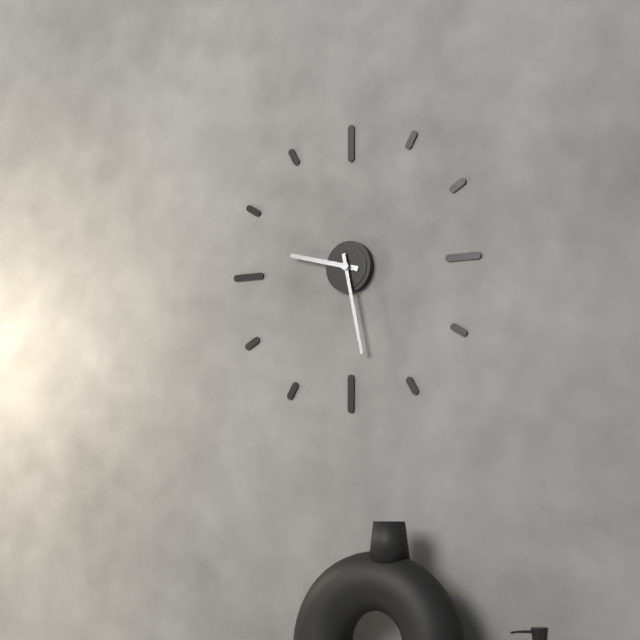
9:28
